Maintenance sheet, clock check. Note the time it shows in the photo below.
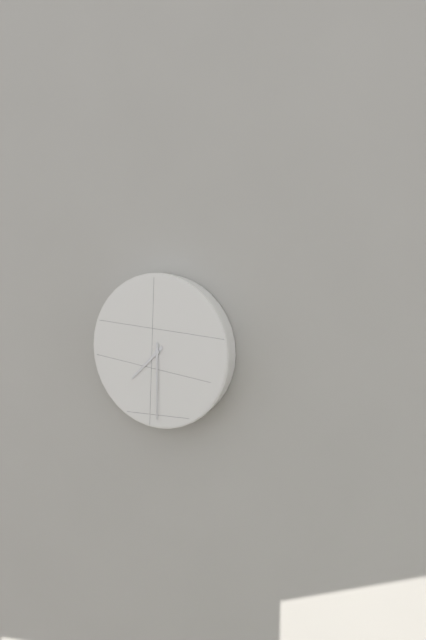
7:30
